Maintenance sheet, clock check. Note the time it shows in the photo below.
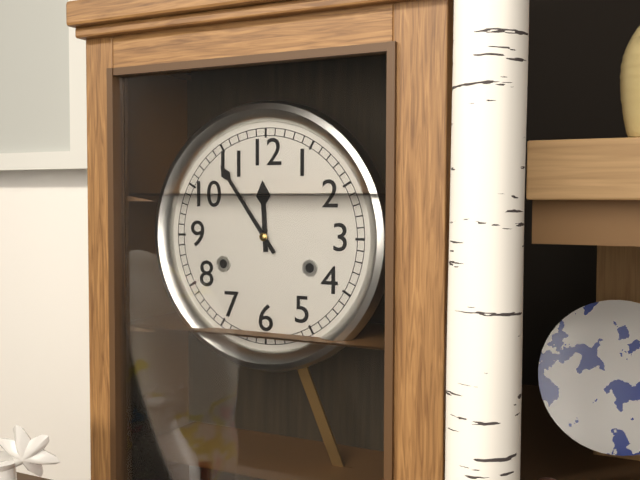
11:54
